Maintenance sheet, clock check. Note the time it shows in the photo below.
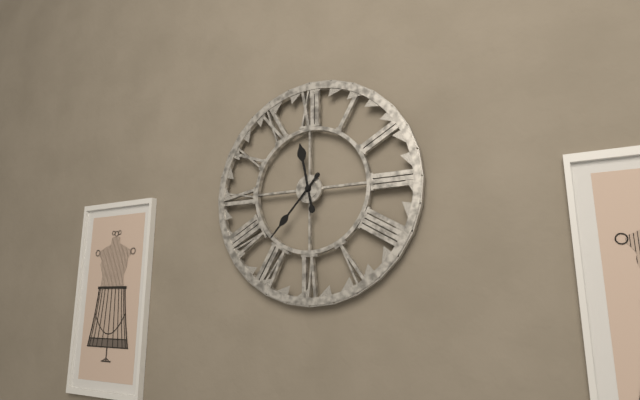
11:37
